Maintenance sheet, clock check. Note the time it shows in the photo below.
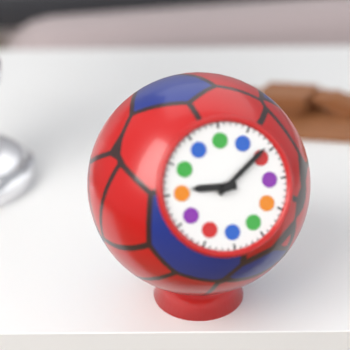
9:09
